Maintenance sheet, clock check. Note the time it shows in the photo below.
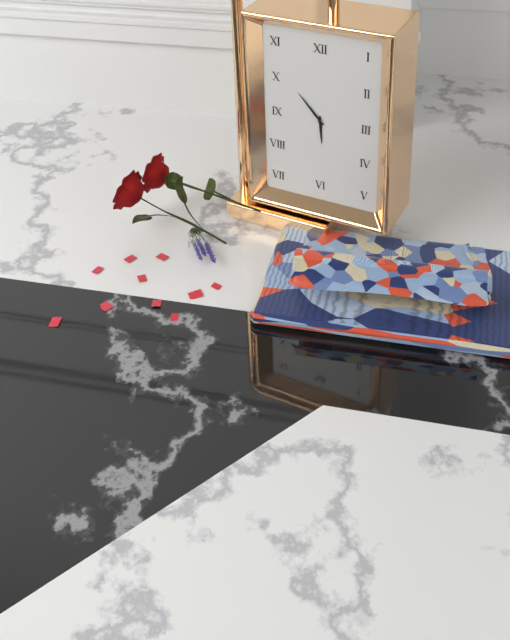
5:53
